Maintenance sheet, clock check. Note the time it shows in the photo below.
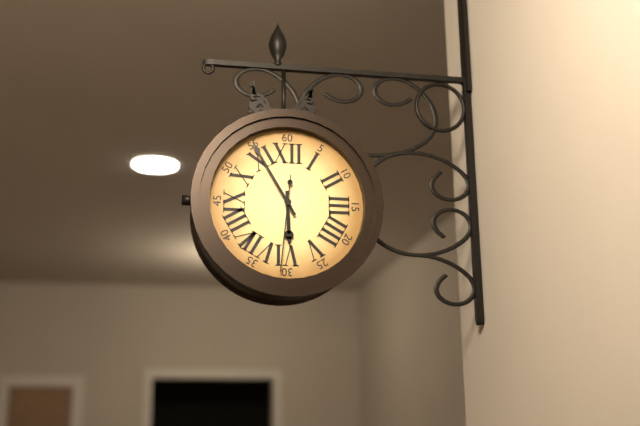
5:55:31
